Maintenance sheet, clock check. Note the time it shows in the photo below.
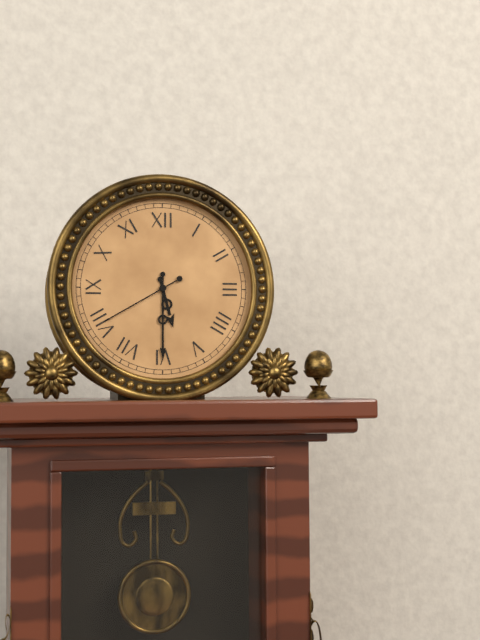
5:30:40
